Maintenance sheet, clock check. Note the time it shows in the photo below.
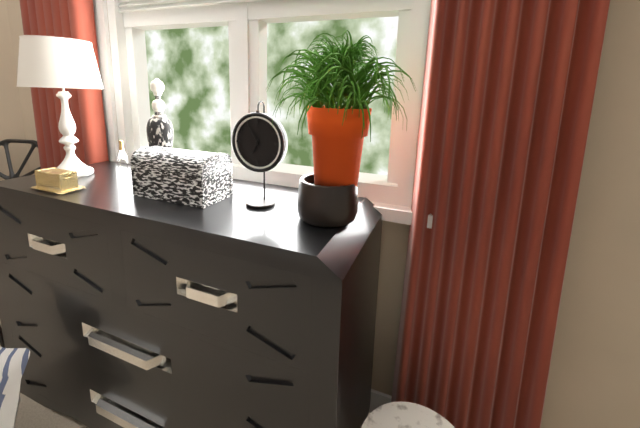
6:55
